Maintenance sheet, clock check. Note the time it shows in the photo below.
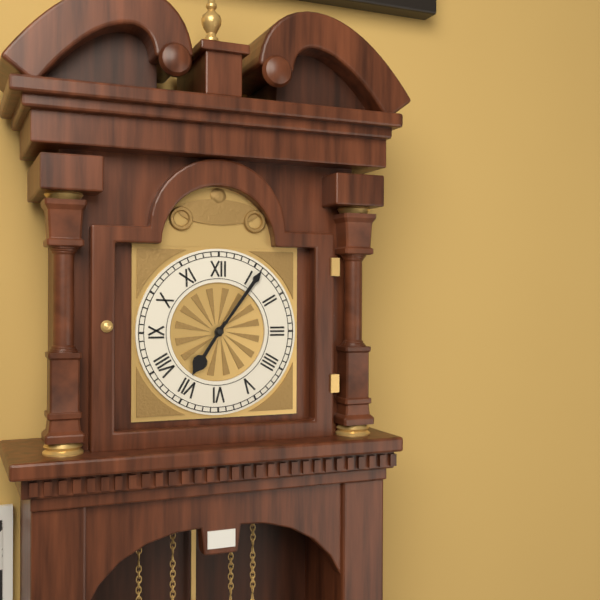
7:06
